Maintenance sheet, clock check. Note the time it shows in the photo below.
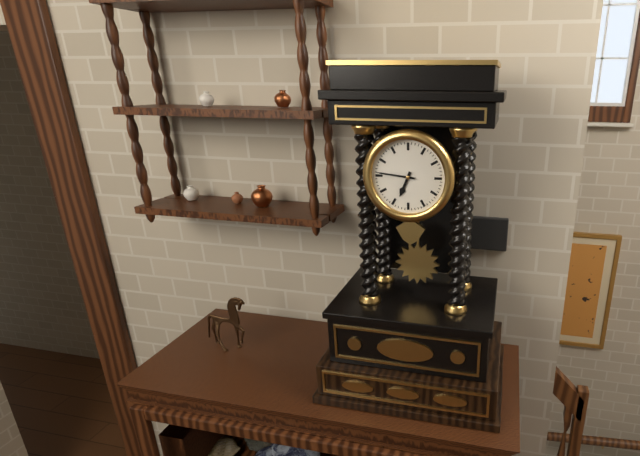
6:46
